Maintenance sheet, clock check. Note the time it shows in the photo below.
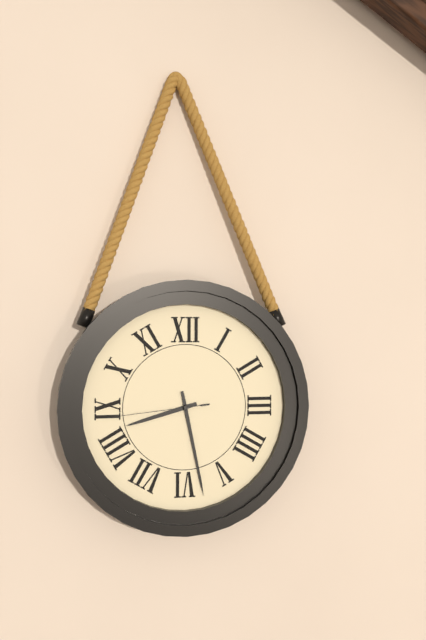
8:28:44
